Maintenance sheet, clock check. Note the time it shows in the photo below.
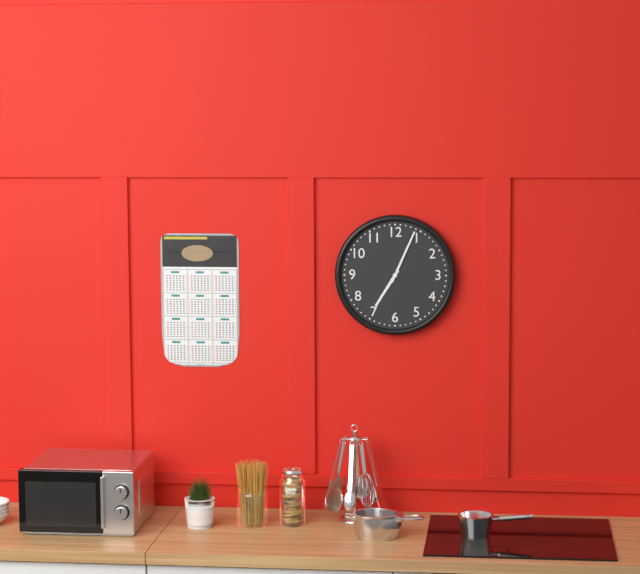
7:04
